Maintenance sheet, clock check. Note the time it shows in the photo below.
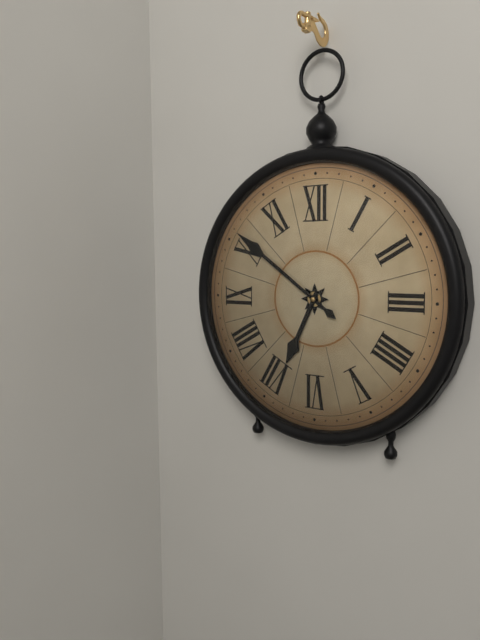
6:51
